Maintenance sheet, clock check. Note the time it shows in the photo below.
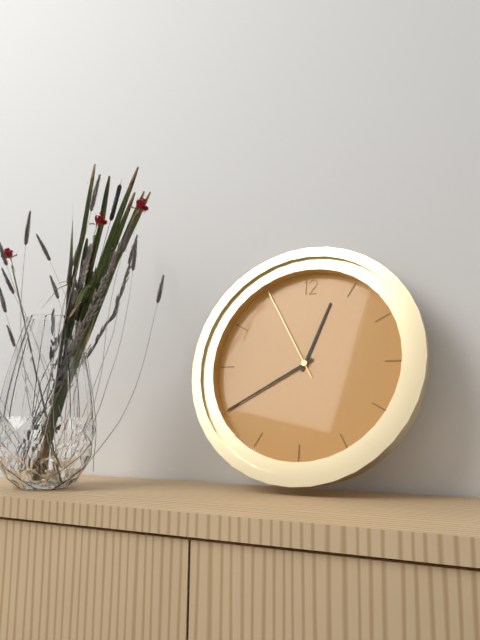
12:40:55
